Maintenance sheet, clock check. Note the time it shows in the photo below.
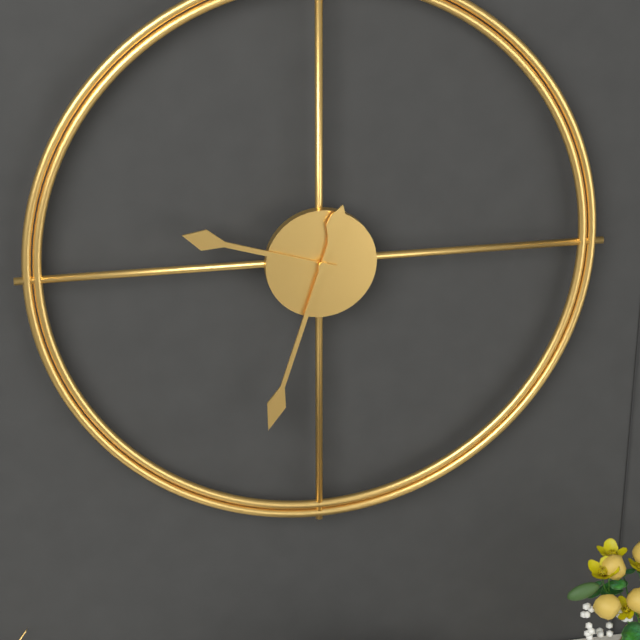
9:33
